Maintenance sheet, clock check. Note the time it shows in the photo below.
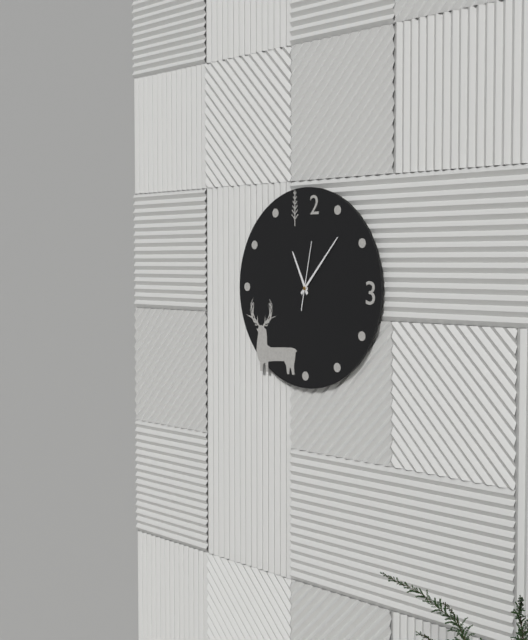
11:07:02
